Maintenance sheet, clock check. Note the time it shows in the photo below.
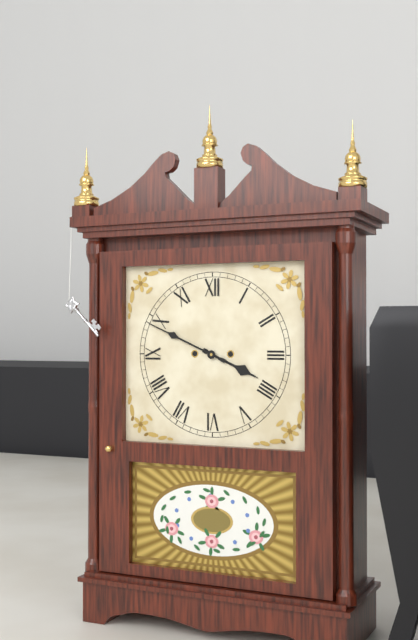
3:49
